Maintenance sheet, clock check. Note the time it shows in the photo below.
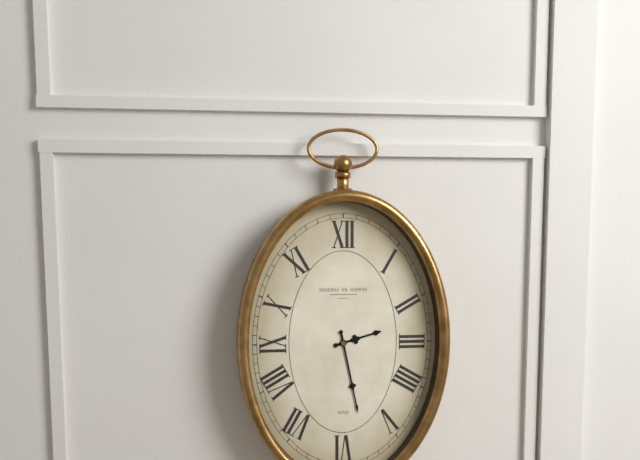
2:28
